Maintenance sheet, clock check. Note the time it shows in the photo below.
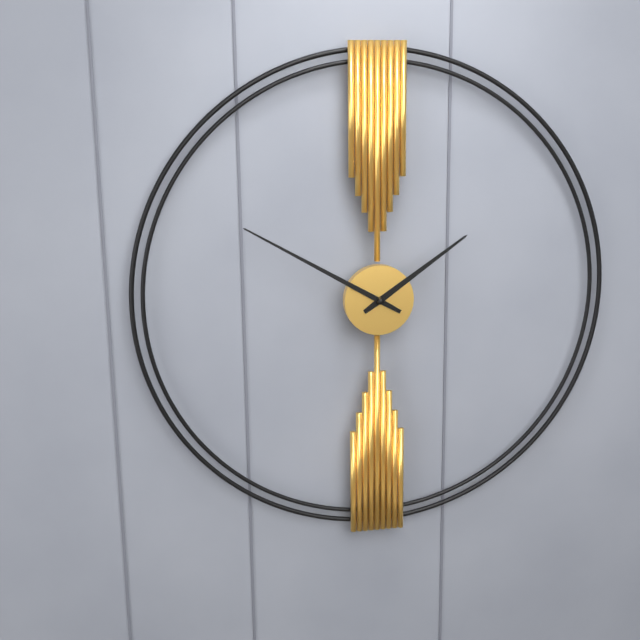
1:50
